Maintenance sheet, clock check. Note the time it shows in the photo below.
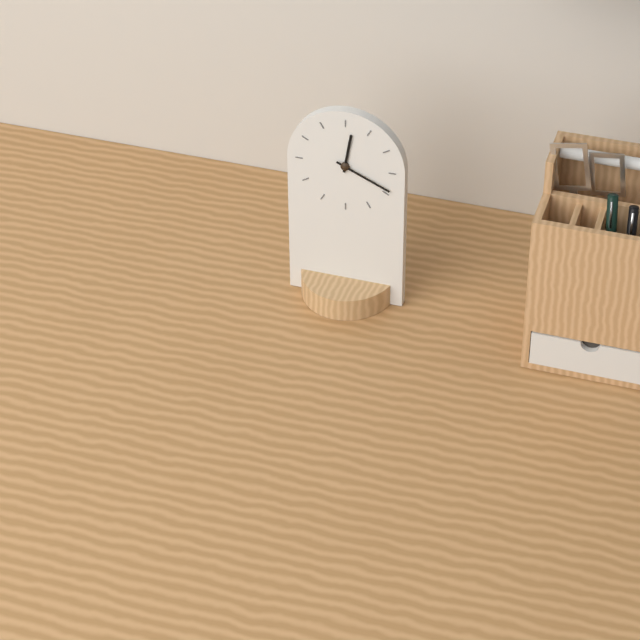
12:19
